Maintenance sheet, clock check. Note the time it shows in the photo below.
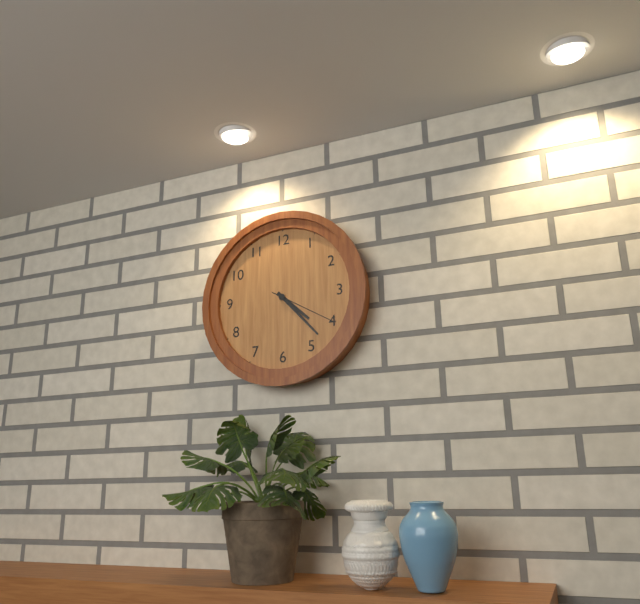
4:23:20
